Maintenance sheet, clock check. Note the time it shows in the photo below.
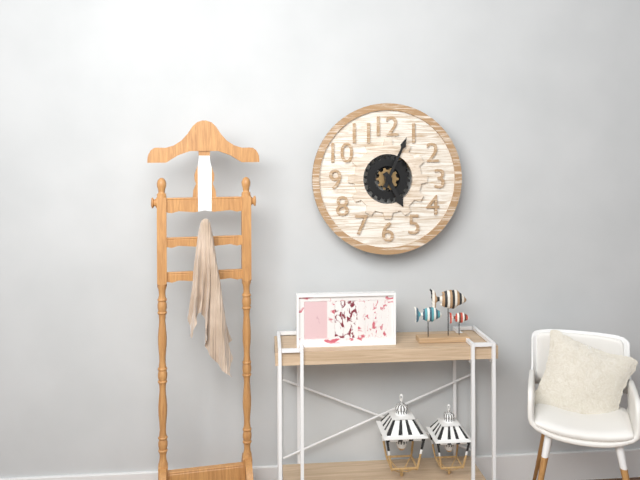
5:04
